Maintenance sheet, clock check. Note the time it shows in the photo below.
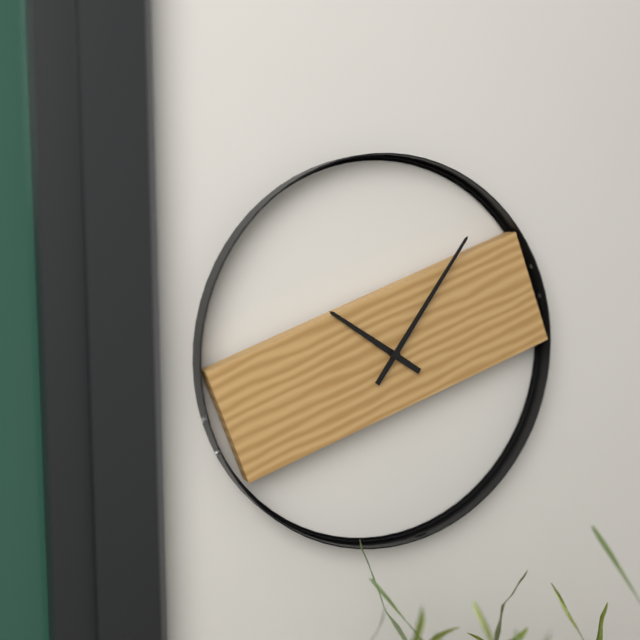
10:06
